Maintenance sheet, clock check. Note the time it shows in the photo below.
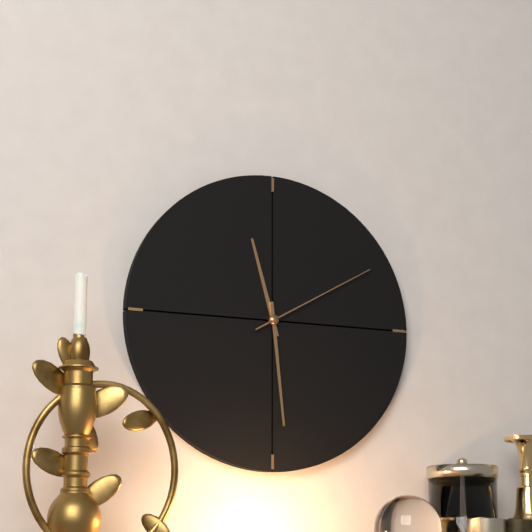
11:29:10
